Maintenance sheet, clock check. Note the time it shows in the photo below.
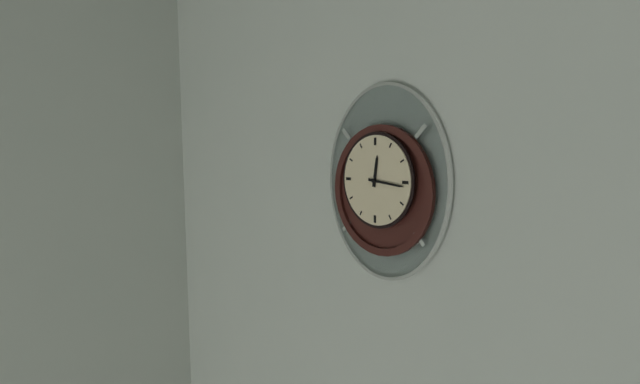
12:16
